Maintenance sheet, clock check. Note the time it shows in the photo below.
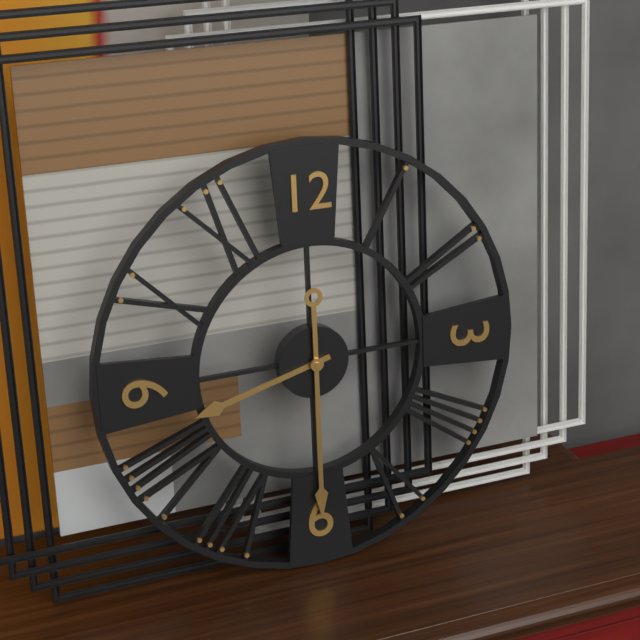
8:30
